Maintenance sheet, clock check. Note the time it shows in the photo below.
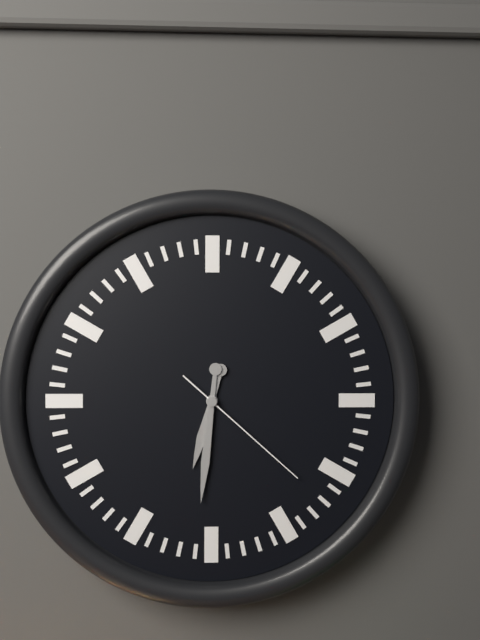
6:31:22
